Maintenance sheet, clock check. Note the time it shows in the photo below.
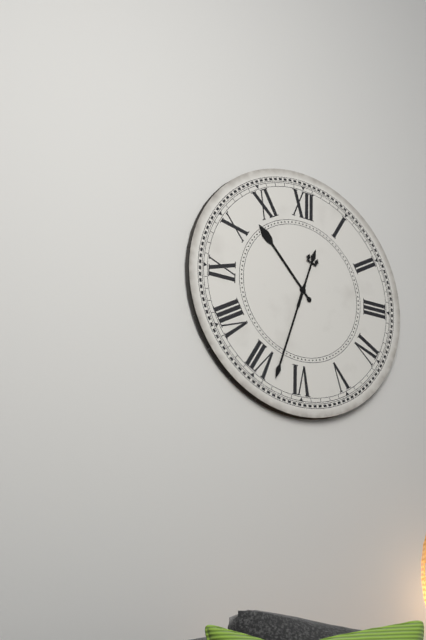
10:33
